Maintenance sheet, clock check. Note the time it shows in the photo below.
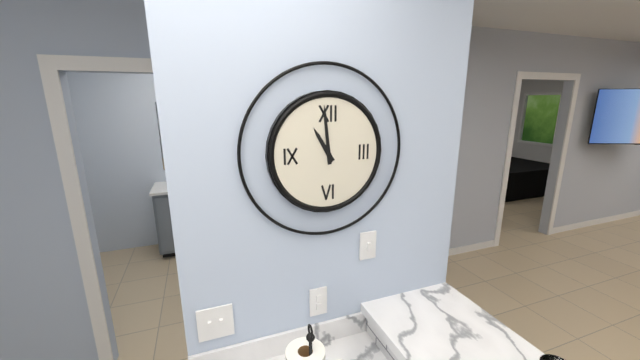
10:59
